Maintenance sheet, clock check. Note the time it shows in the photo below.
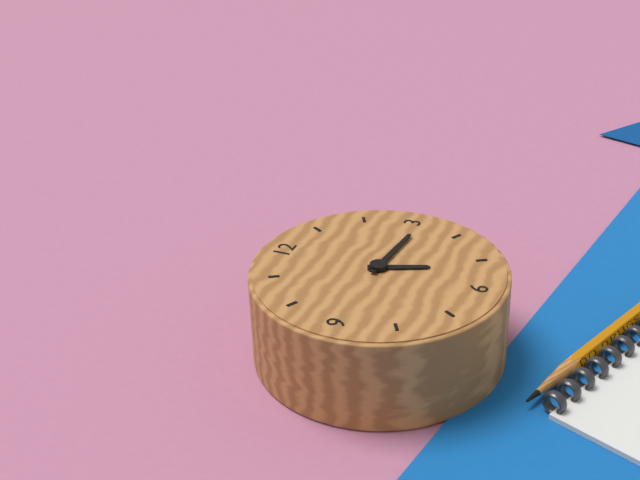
5:16
